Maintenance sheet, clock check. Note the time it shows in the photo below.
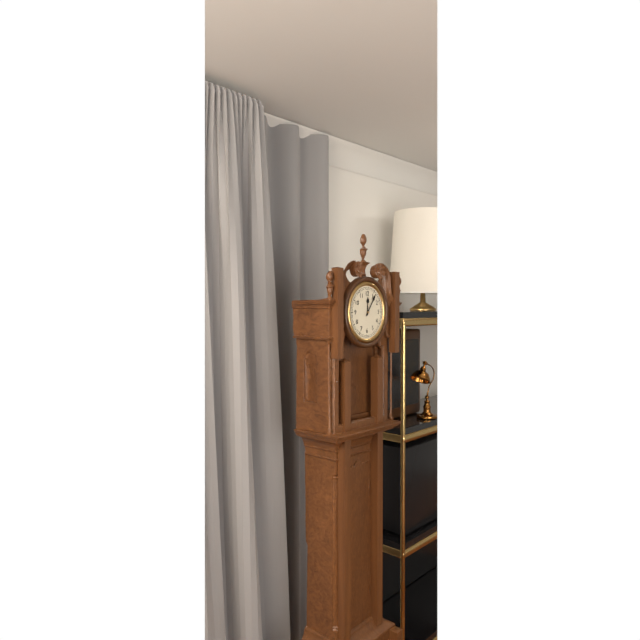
12:06
